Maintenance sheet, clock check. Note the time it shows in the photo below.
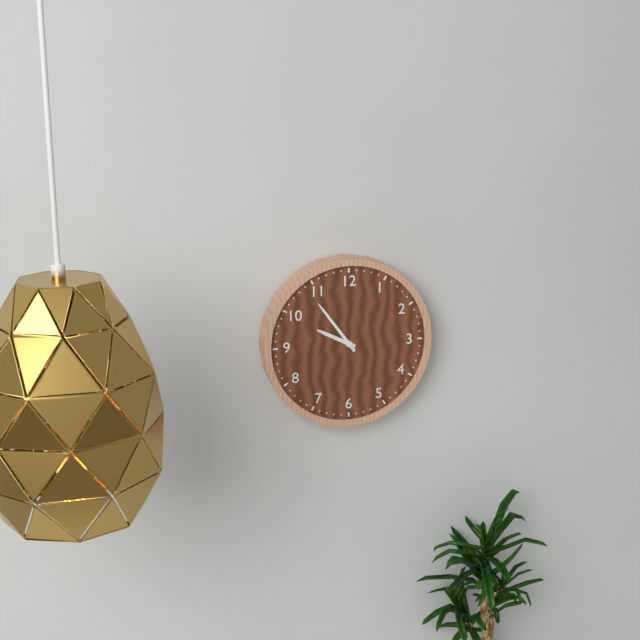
9:54
